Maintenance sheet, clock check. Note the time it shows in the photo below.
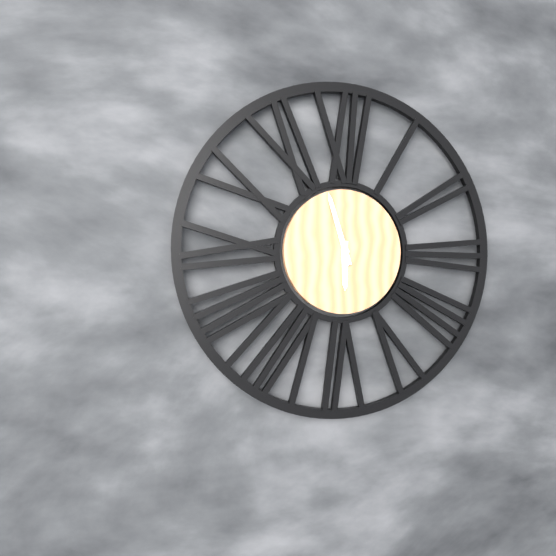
5:57
